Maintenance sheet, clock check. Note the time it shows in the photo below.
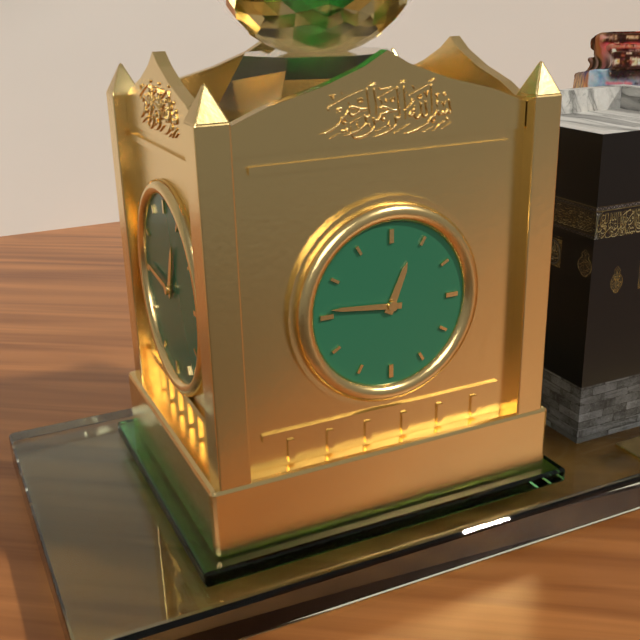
12:46
